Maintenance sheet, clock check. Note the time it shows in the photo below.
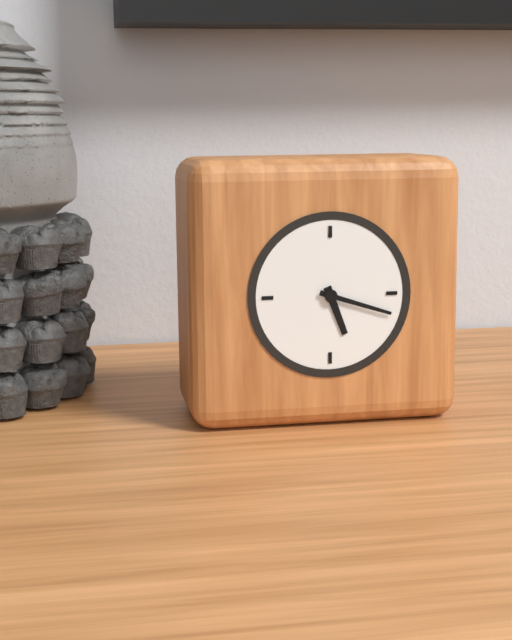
5:18
